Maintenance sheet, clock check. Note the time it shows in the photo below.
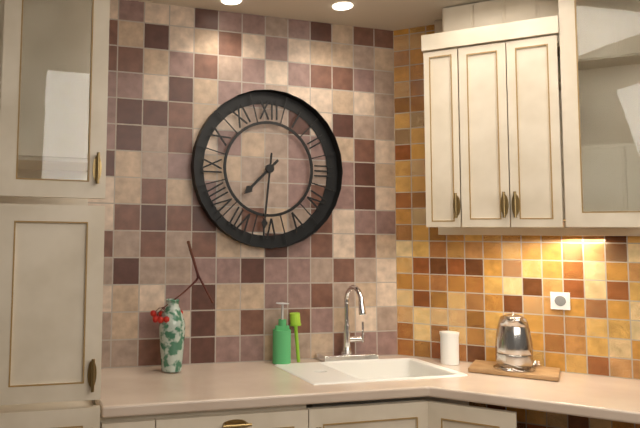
7:31
